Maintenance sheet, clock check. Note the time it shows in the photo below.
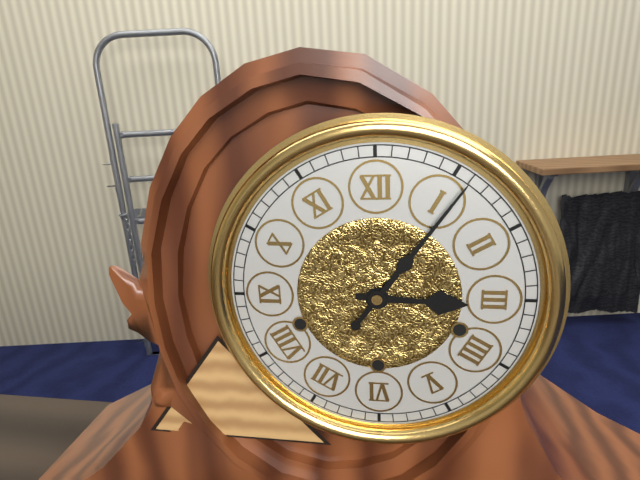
3:06
